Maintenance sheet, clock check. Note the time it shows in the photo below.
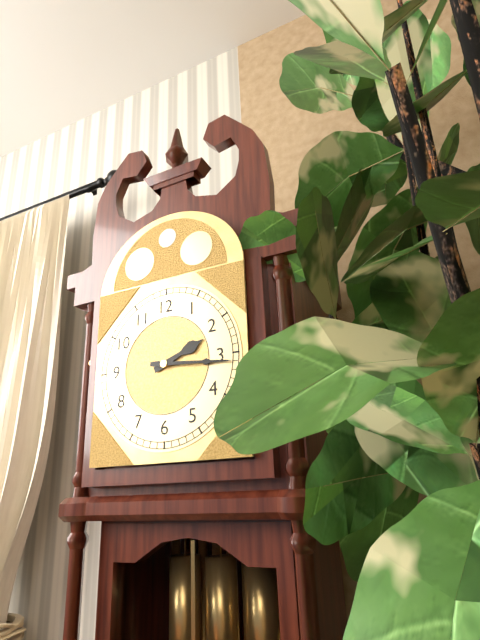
2:16
